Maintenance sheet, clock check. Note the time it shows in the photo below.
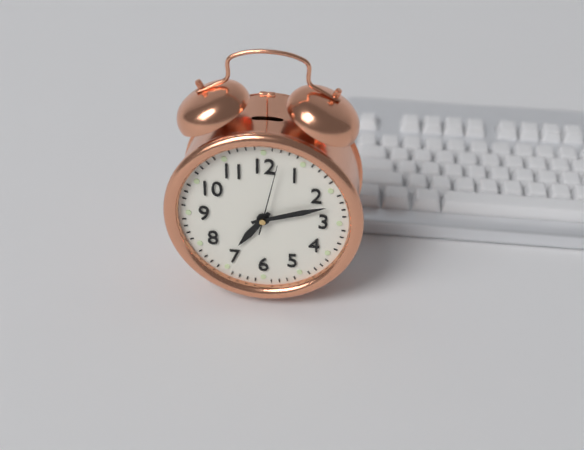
7:12:02
